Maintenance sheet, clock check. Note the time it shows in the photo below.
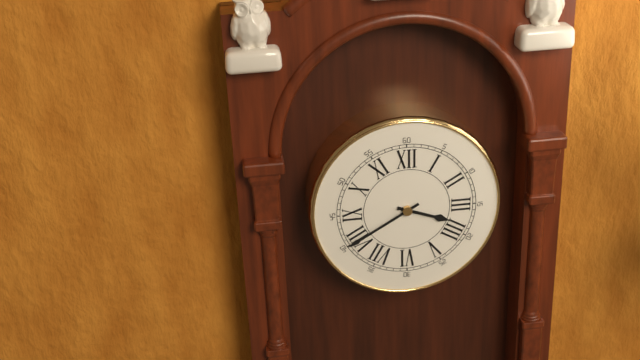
3:40
